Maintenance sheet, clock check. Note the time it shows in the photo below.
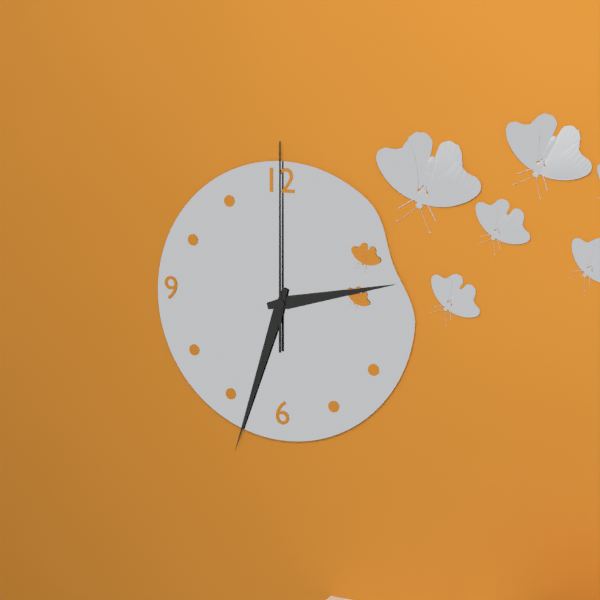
2:33:00
